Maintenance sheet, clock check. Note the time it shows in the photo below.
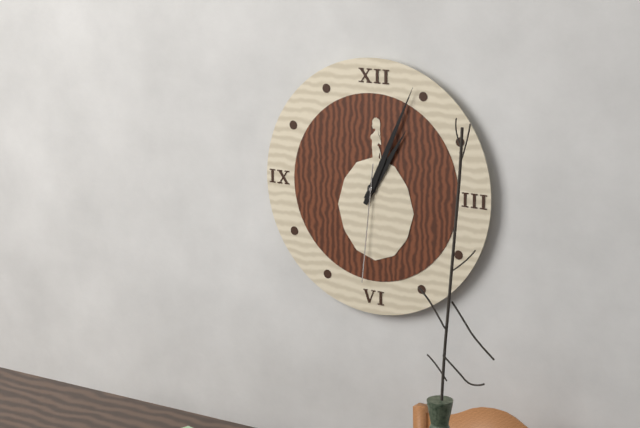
1:04:31
